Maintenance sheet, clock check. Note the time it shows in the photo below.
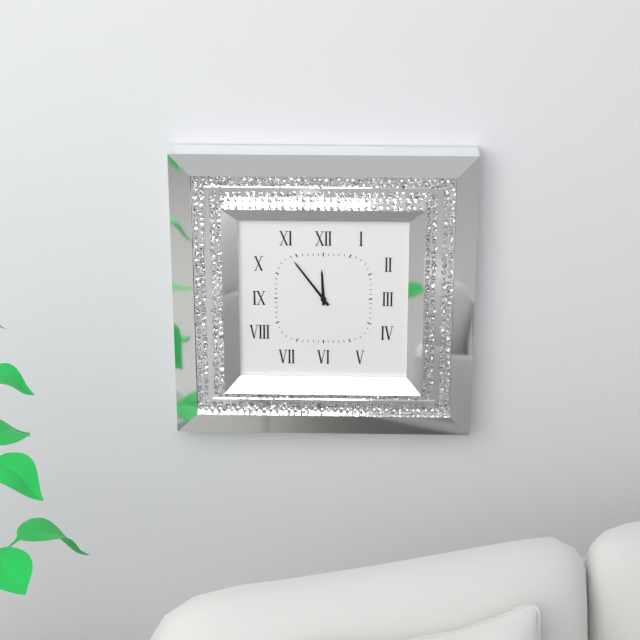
11:54
